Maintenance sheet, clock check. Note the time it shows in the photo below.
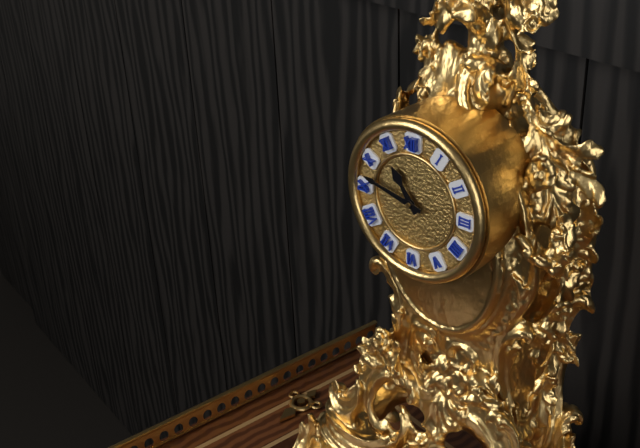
10:47
